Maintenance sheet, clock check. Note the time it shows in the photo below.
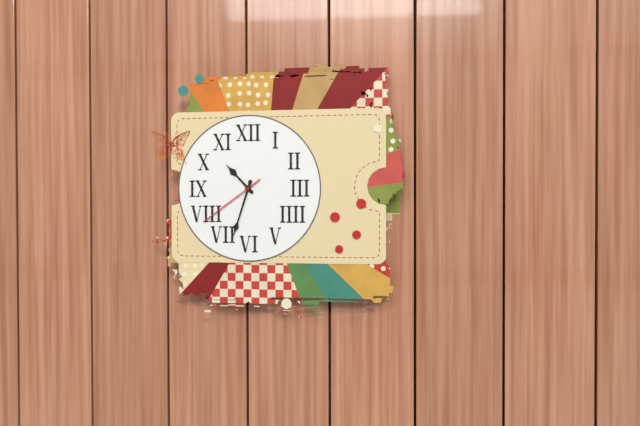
10:33:39
